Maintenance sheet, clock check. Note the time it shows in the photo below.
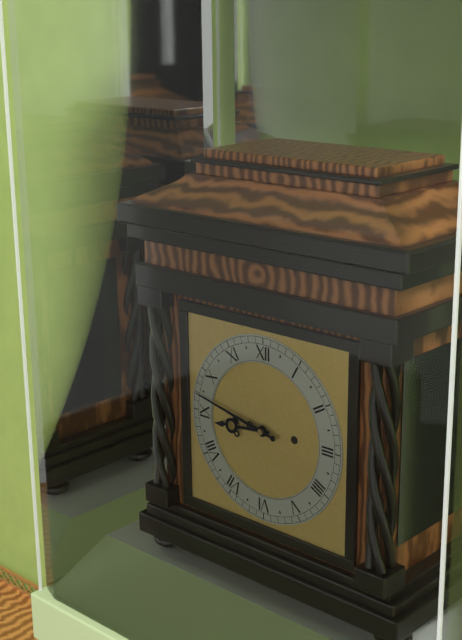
8:47
